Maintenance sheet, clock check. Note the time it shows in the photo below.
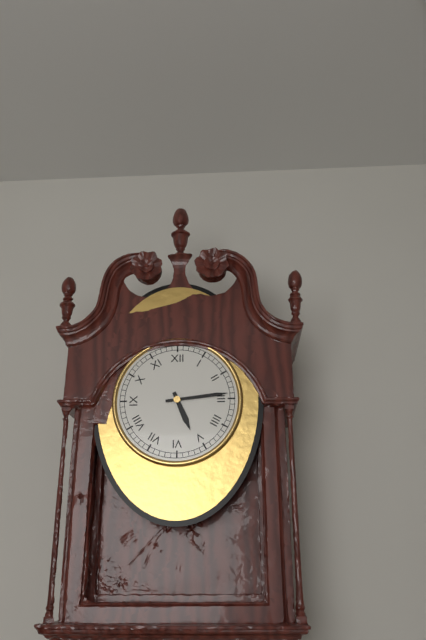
5:14
